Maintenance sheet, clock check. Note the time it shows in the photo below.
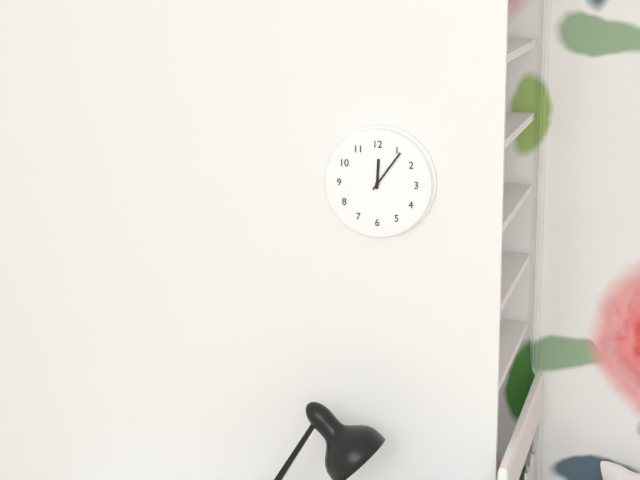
12:06
